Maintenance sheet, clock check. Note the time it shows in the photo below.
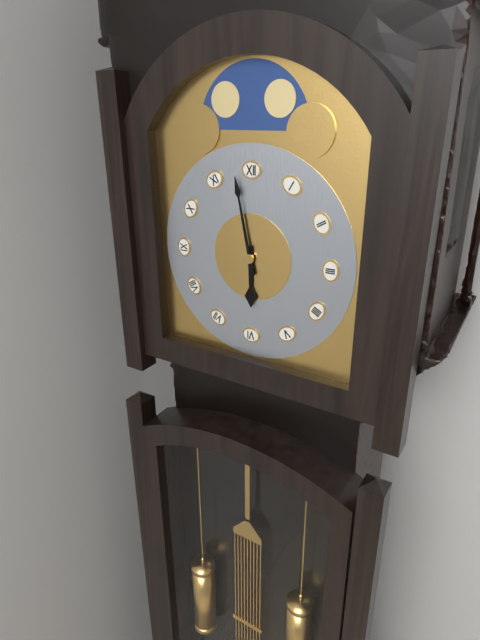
5:58
